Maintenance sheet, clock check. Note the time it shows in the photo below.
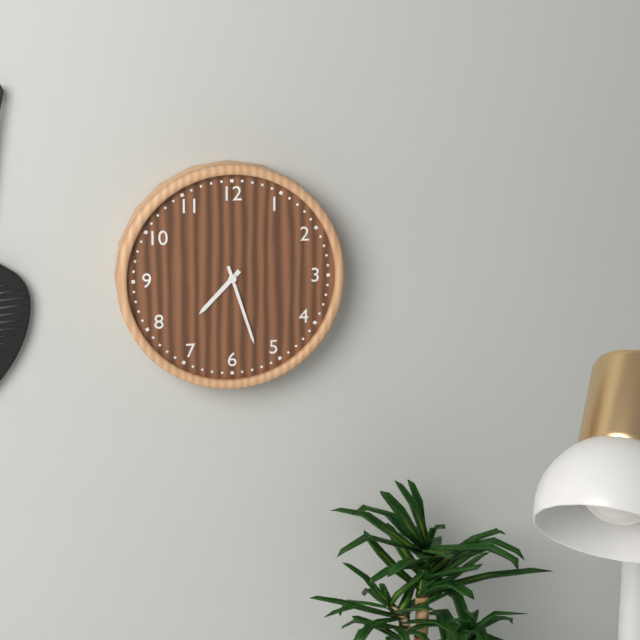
7:27
